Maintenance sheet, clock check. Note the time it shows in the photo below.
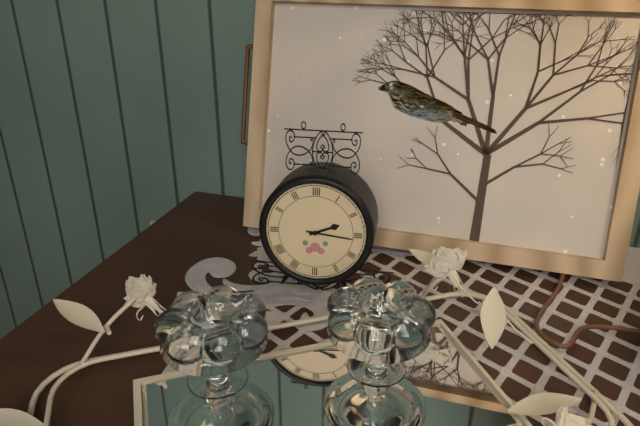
2:16
